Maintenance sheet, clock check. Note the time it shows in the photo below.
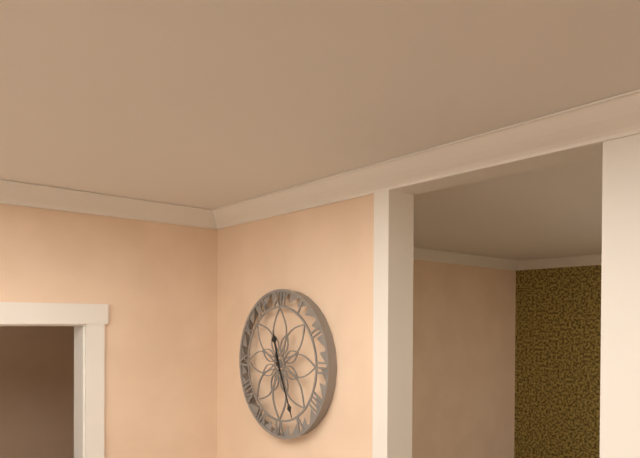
11:26
